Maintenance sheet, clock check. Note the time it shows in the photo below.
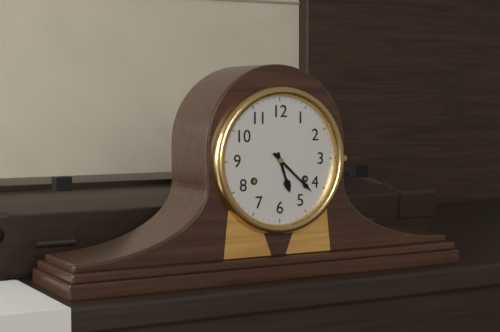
5:22
